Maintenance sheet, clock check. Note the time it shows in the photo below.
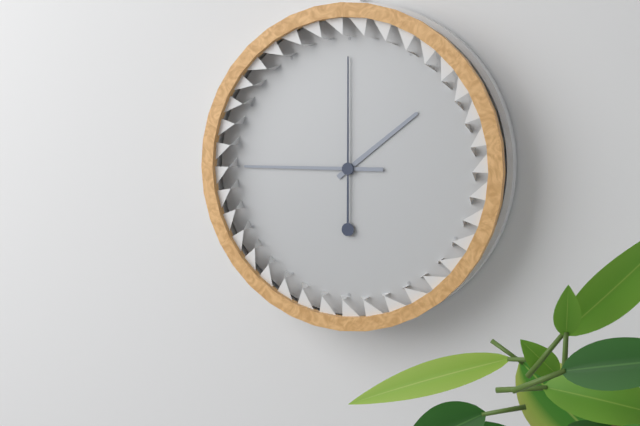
1:45:00
